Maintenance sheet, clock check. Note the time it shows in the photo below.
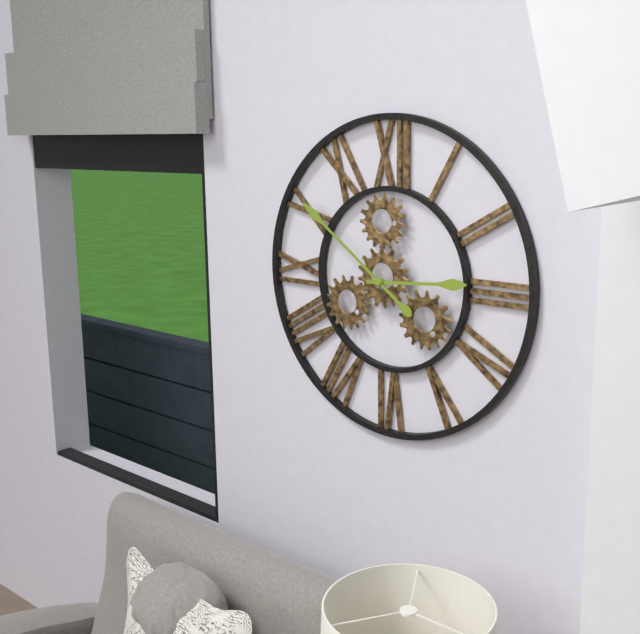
2:51
